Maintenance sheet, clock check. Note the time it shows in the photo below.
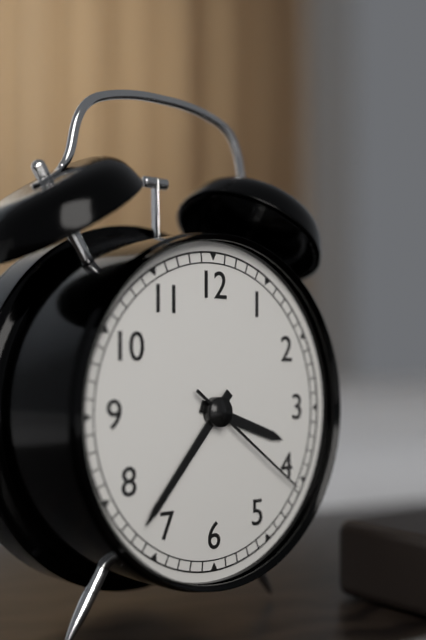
3:37:21
